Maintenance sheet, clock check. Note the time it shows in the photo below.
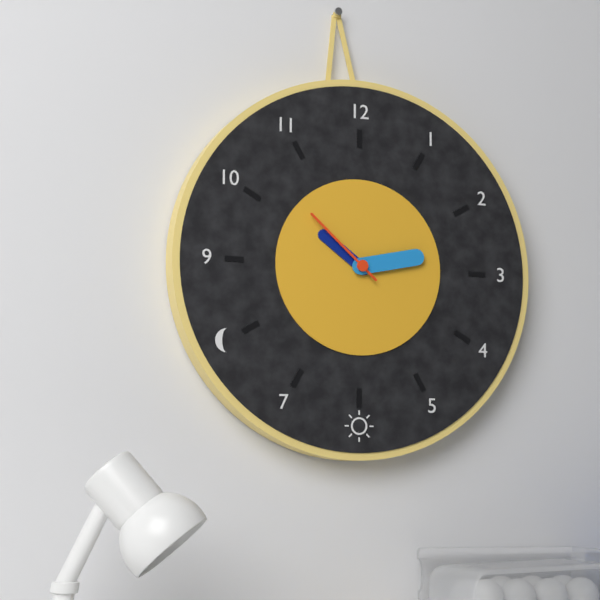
10:13:52
